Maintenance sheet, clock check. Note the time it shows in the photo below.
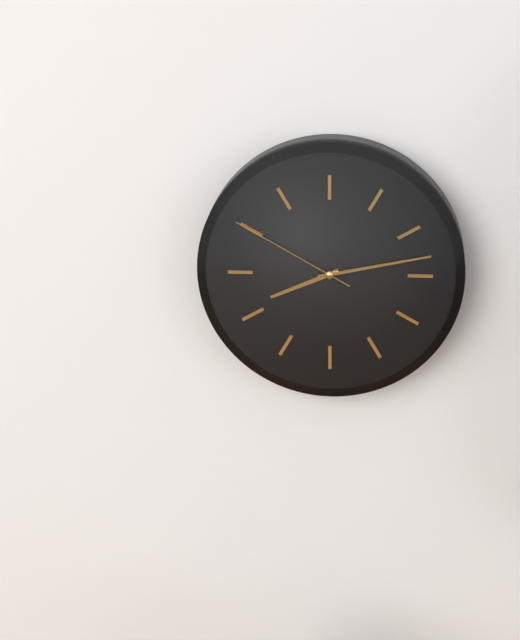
8:13:50
